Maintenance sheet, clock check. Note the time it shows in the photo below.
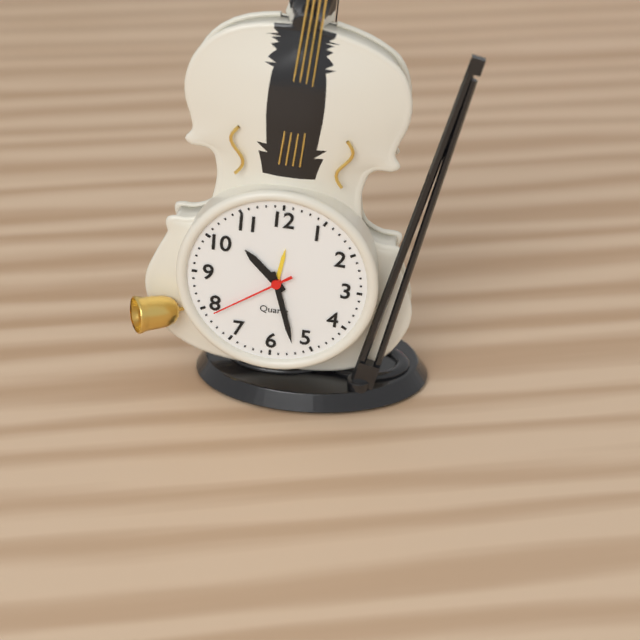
10:27:39
